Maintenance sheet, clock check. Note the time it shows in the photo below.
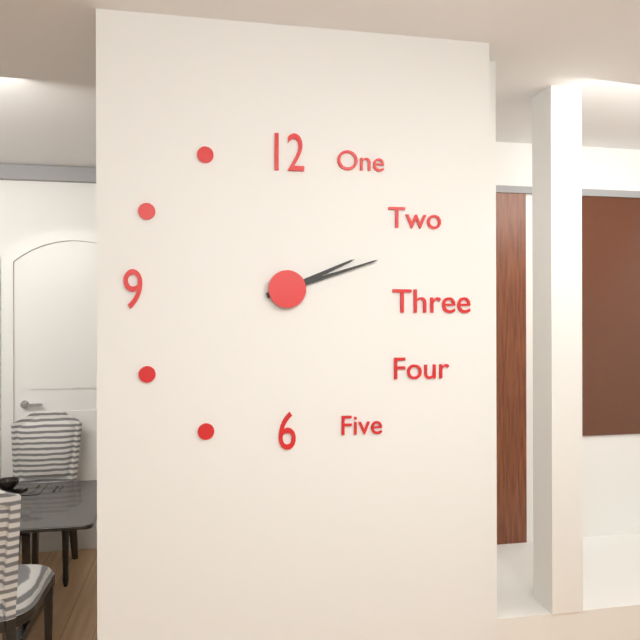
2:12
